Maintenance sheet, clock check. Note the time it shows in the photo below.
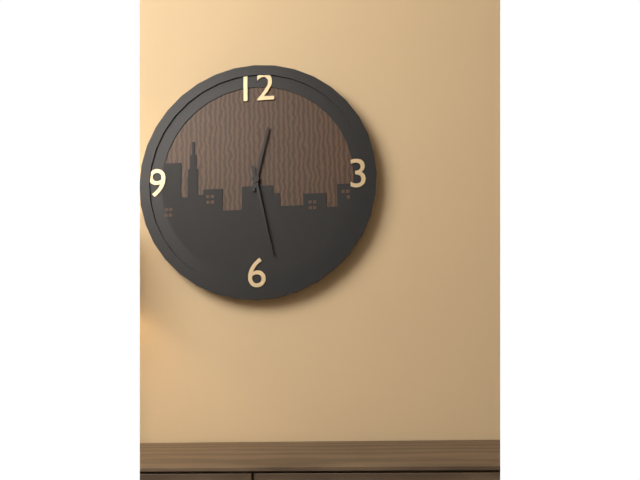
12:28
